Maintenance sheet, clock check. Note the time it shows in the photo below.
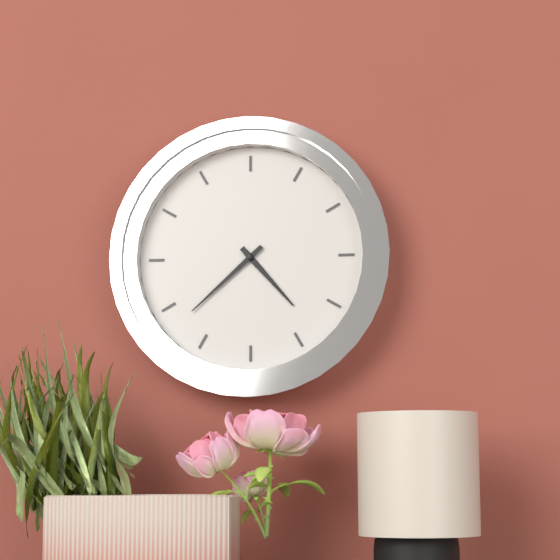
4:38
